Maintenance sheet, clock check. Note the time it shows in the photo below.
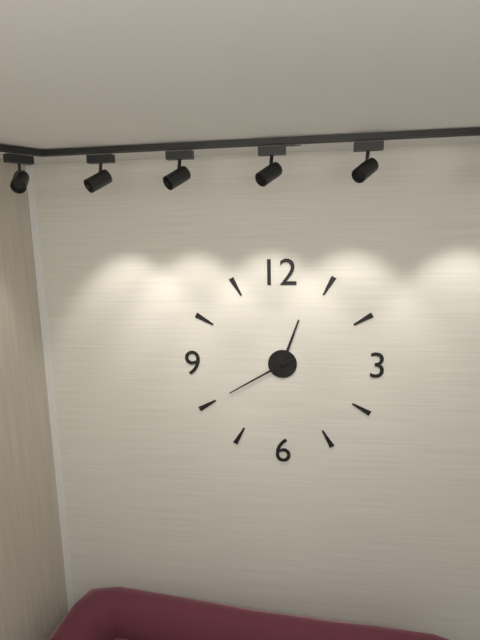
12:40
